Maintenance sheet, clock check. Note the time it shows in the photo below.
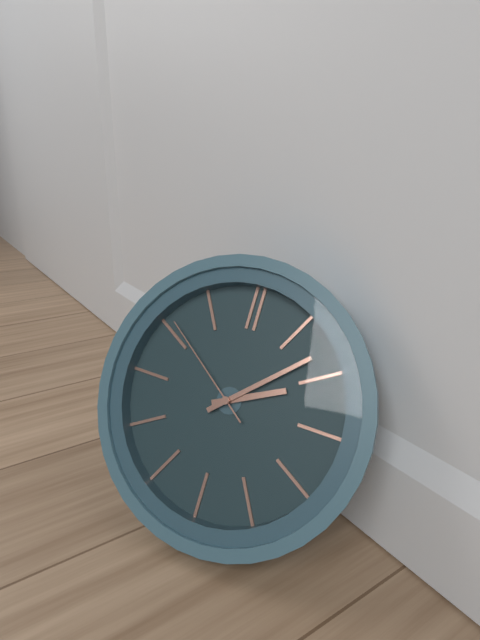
2:08:51
